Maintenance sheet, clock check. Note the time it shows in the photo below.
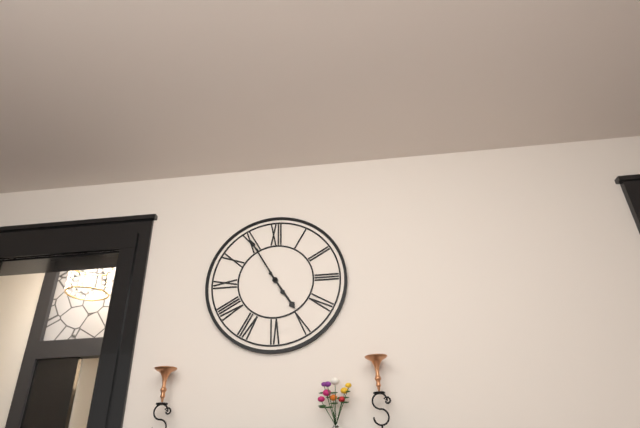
4:55
